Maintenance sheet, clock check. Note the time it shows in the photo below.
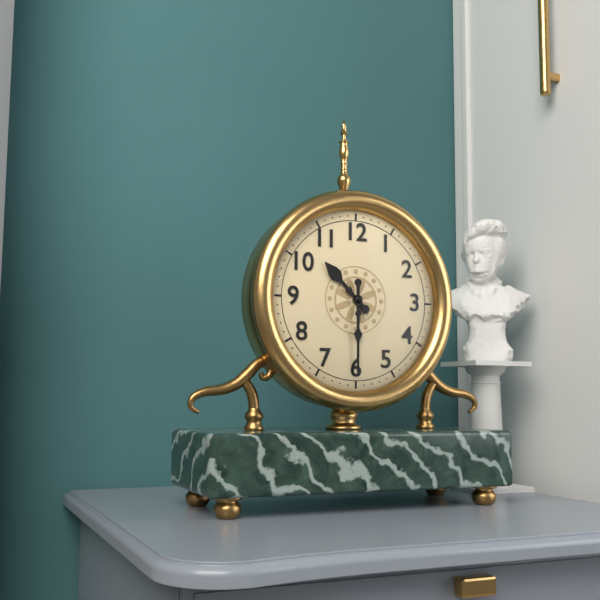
10:30
